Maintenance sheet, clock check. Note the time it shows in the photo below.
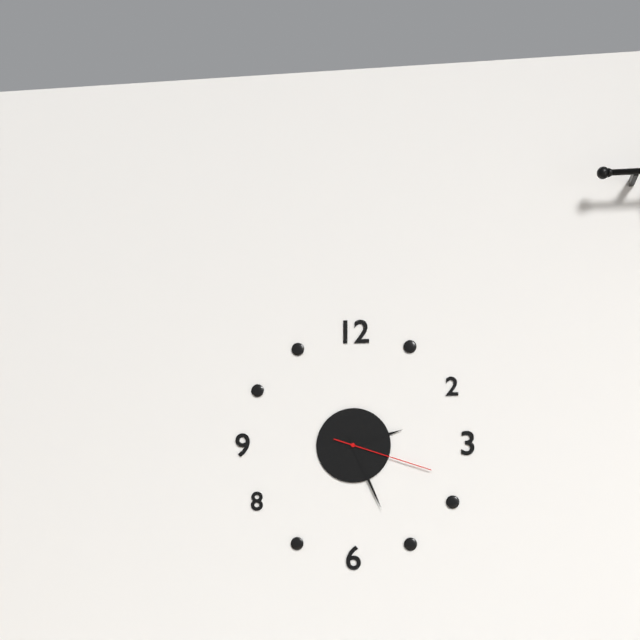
2:26:18
